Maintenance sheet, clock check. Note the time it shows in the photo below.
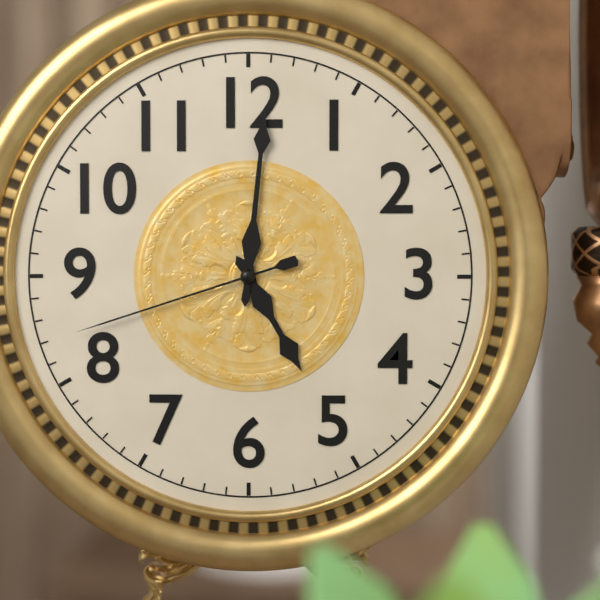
5:01:42
